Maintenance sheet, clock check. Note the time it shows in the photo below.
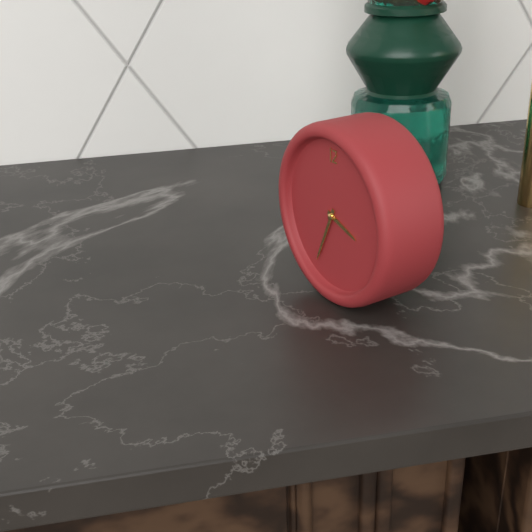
3:34
